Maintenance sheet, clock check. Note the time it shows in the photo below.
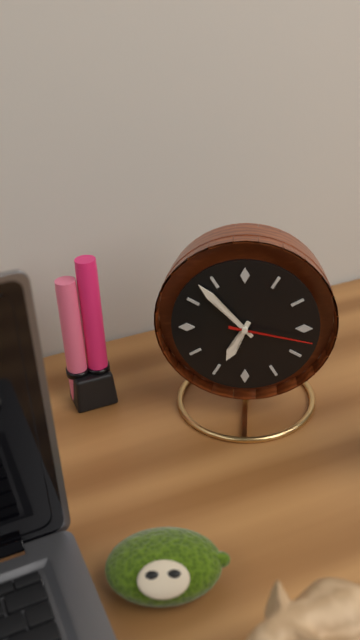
6:53:17
